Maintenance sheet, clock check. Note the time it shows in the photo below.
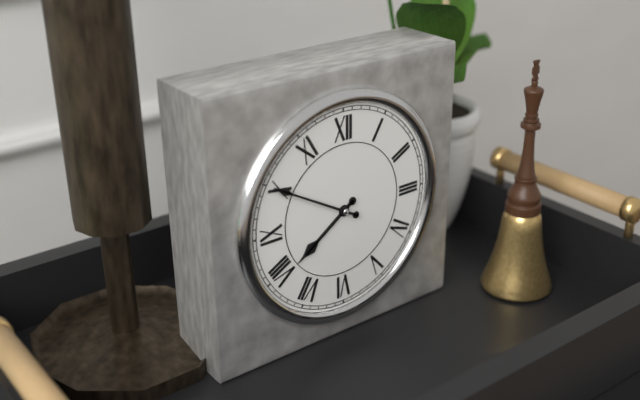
7:50
